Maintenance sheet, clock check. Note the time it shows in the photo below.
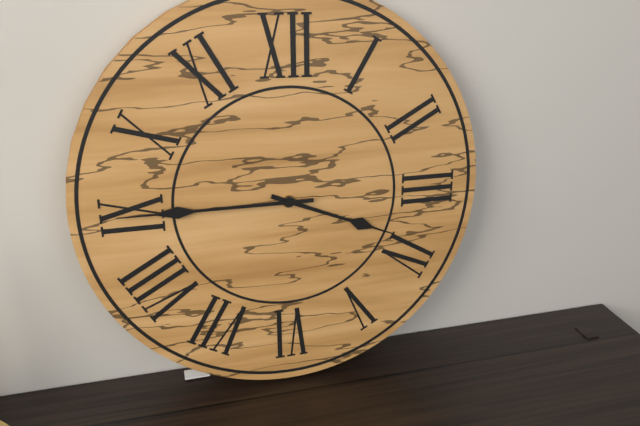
3:45
